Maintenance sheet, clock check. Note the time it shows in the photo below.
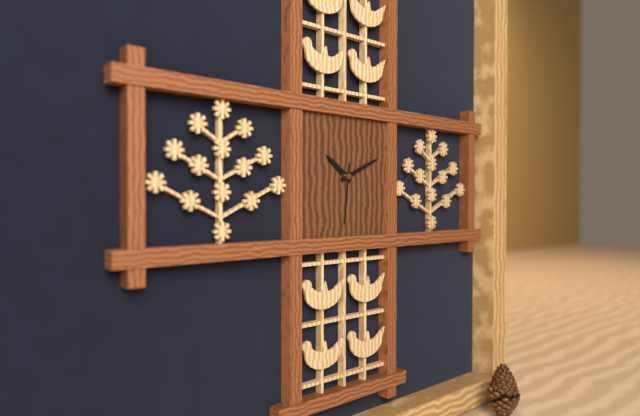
10:11:31
